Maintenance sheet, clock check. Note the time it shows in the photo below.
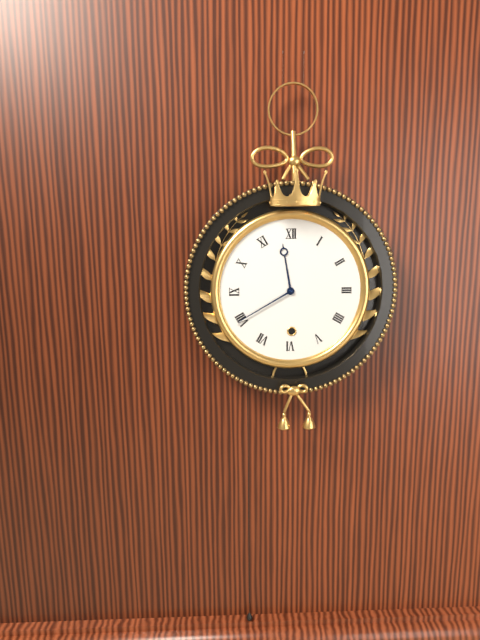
11:40
